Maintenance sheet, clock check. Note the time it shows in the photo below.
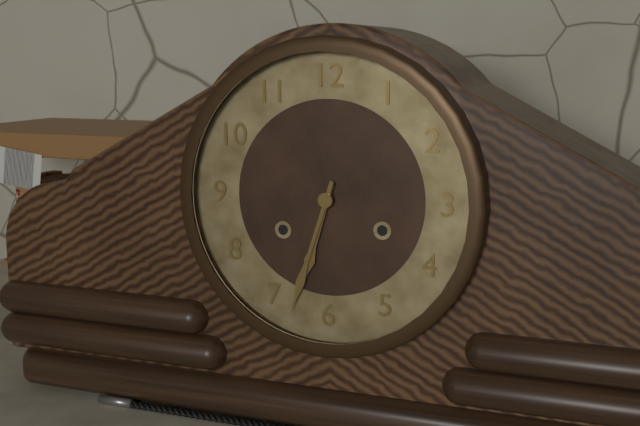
6:33
